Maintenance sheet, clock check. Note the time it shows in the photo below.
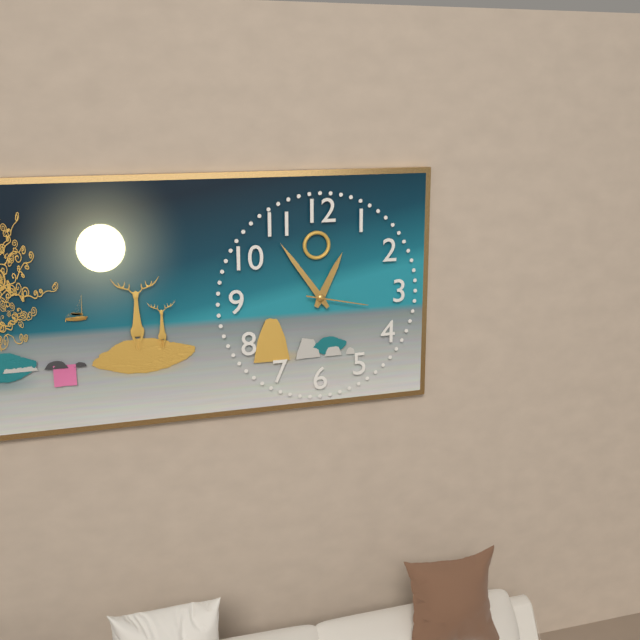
12:54:17
